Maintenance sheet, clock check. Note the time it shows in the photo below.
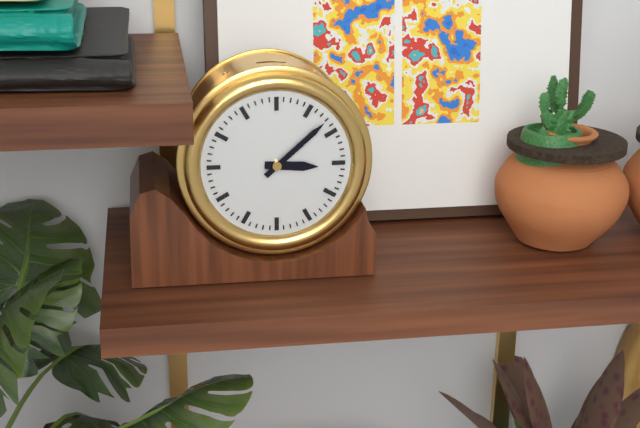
3:08
